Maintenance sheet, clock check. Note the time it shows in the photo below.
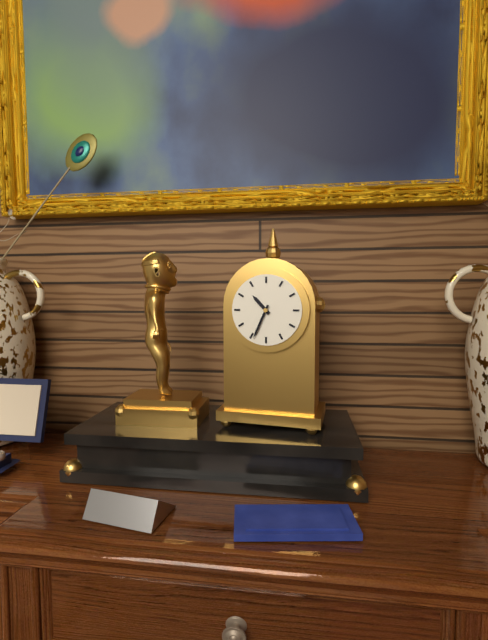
10:34
